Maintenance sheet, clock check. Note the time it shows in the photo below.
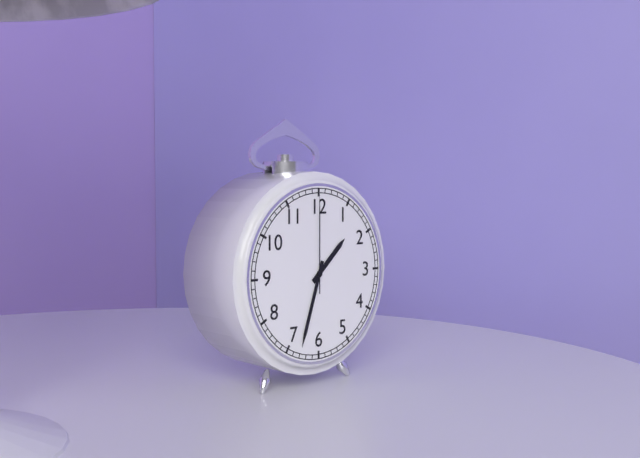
1:33:00
